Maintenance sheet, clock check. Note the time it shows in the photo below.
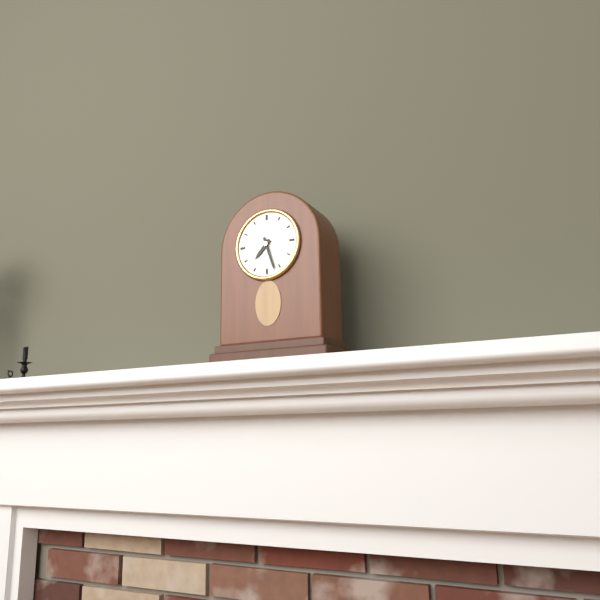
7:27
